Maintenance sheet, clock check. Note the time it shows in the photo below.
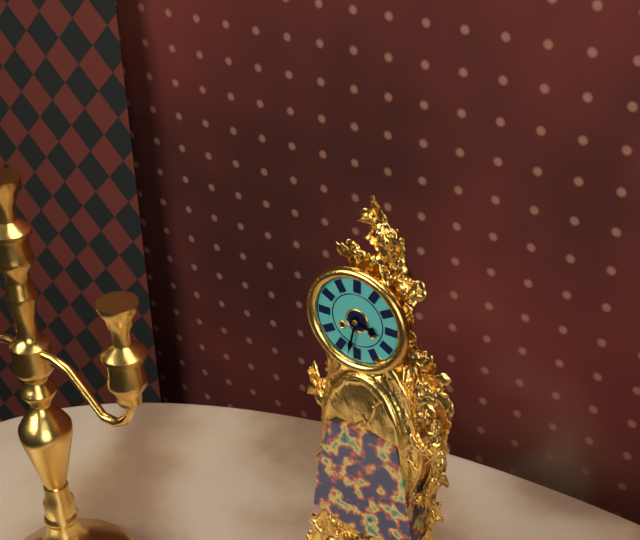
3:32
